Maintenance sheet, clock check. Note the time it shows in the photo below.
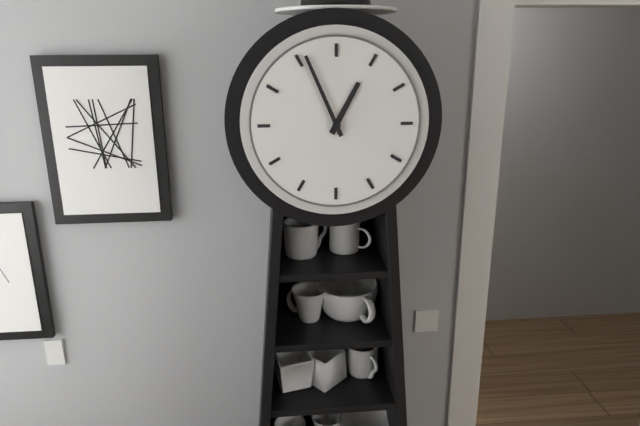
12:56
